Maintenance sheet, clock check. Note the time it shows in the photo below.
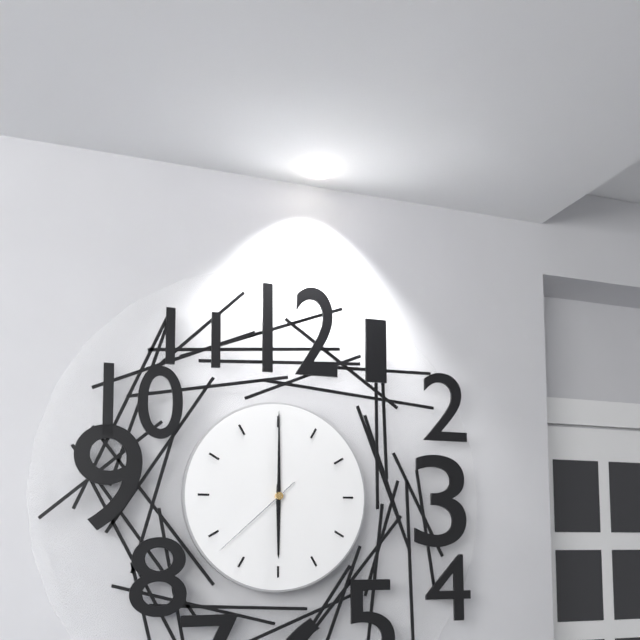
6:00:38
